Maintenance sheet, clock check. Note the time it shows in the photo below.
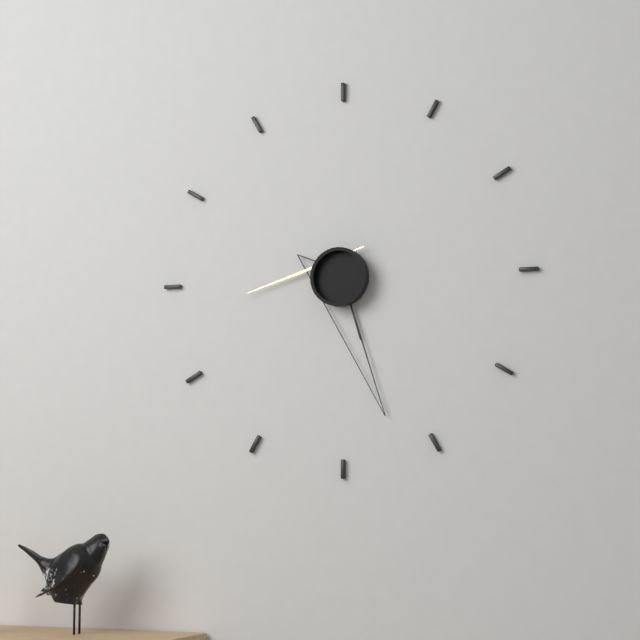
5:27:44
